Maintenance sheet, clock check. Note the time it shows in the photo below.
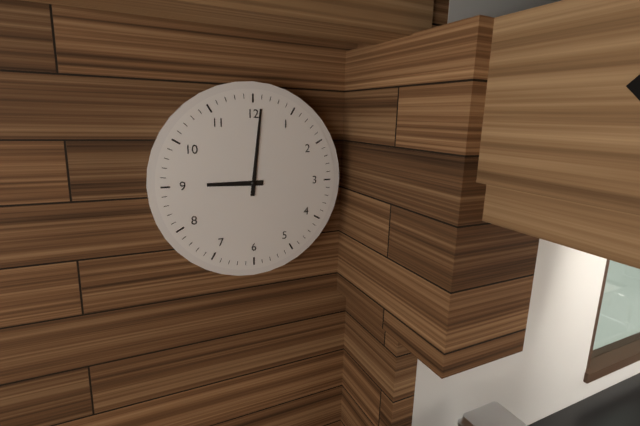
9:01
